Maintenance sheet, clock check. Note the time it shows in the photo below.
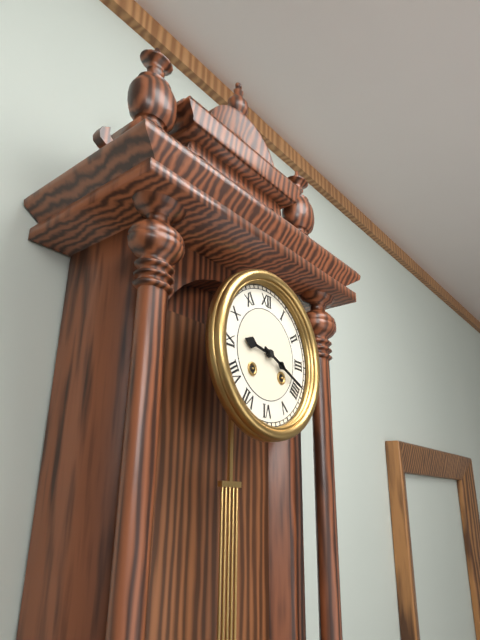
9:19
